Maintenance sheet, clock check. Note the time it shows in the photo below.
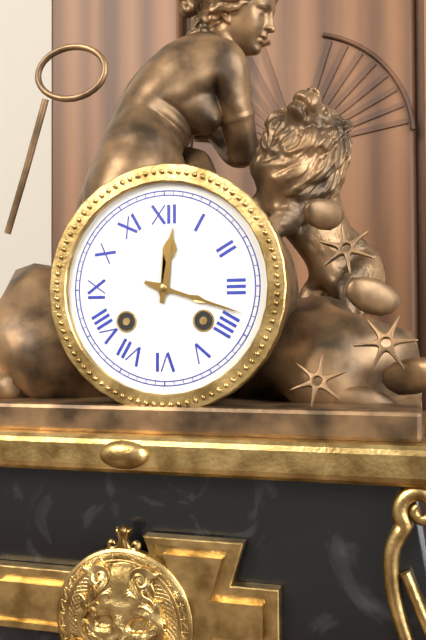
12:18
